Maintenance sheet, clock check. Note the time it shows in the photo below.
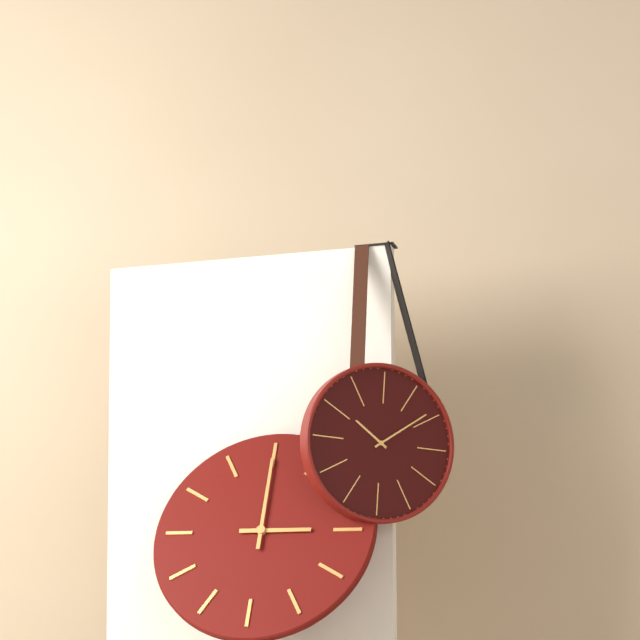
3:00
